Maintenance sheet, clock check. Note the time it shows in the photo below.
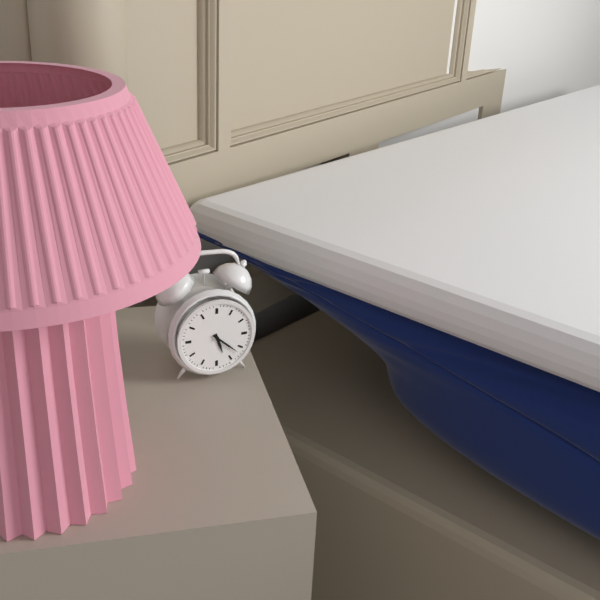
5:22
